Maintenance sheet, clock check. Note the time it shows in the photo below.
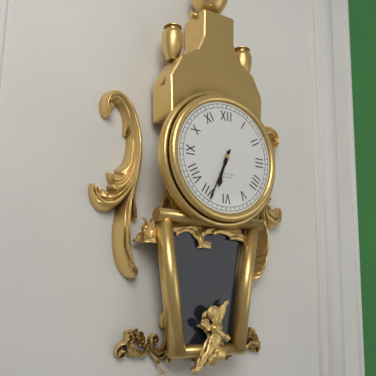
6:34
